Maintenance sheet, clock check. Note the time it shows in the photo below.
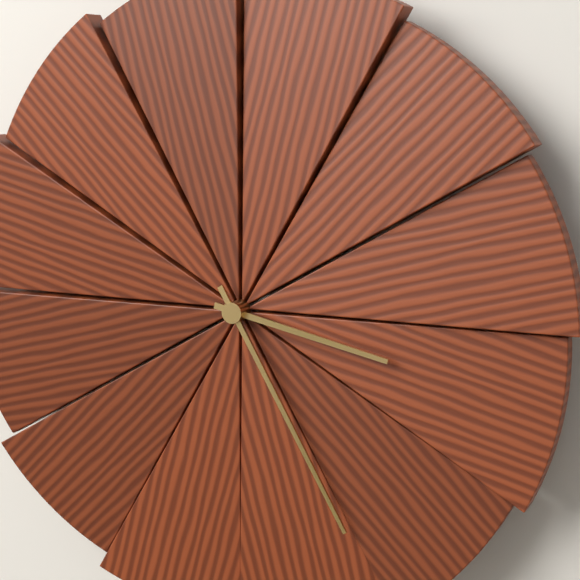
3:25
